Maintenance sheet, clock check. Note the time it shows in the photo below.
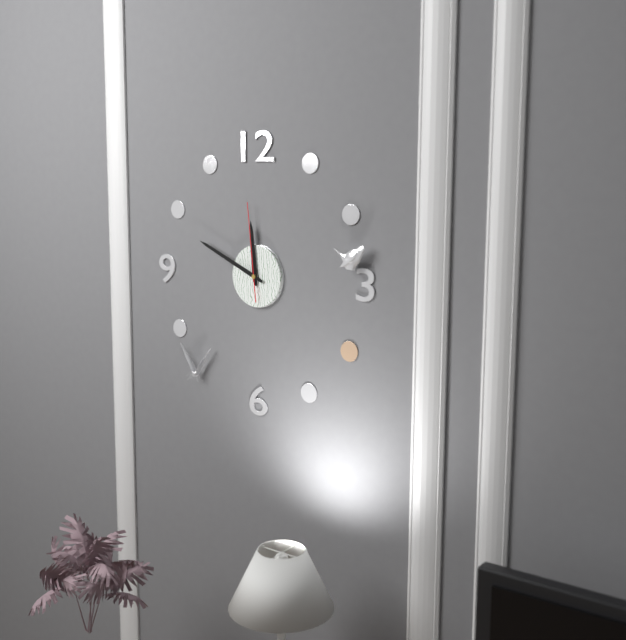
11:49:59
